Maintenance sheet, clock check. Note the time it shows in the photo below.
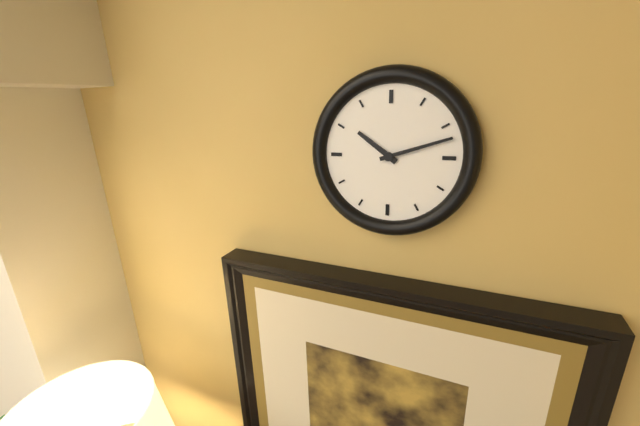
10:12
